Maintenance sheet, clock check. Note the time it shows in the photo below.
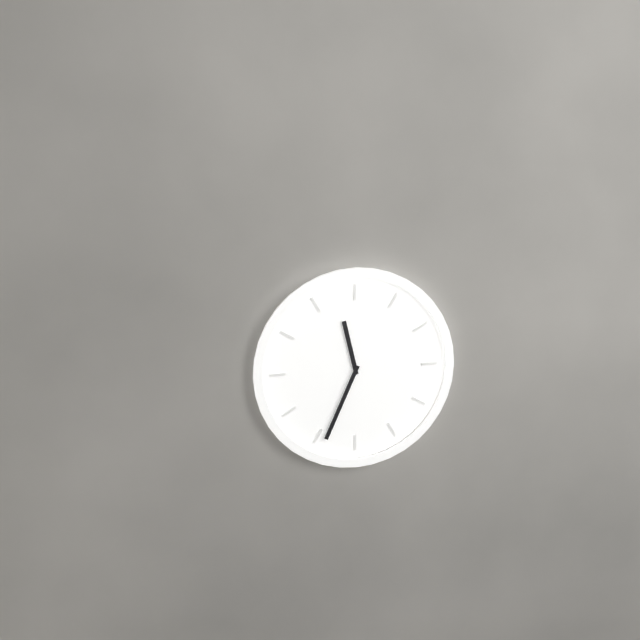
11:34
